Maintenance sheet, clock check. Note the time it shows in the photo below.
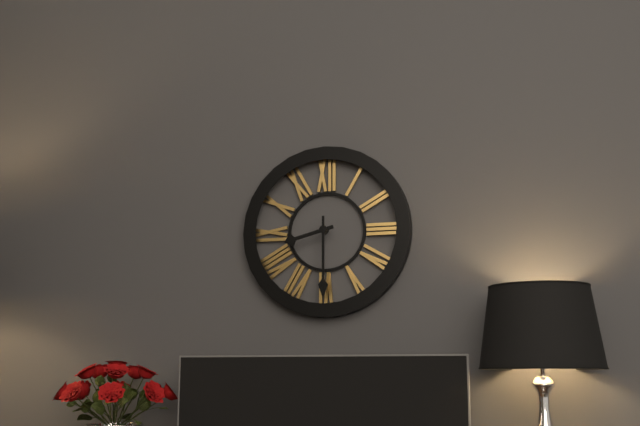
8:30
